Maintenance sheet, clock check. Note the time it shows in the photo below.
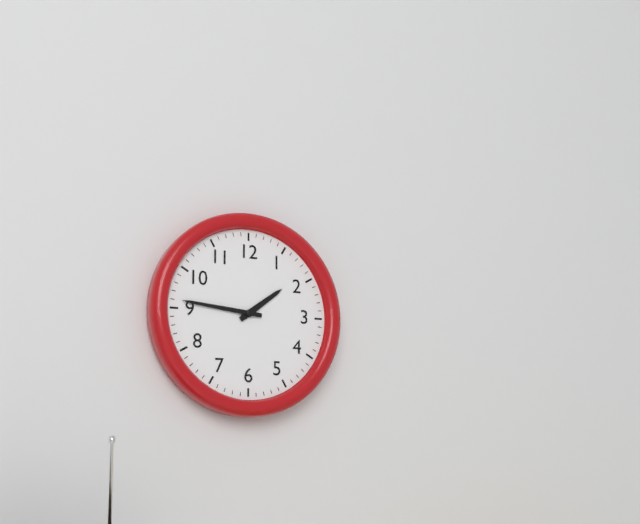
1:46
